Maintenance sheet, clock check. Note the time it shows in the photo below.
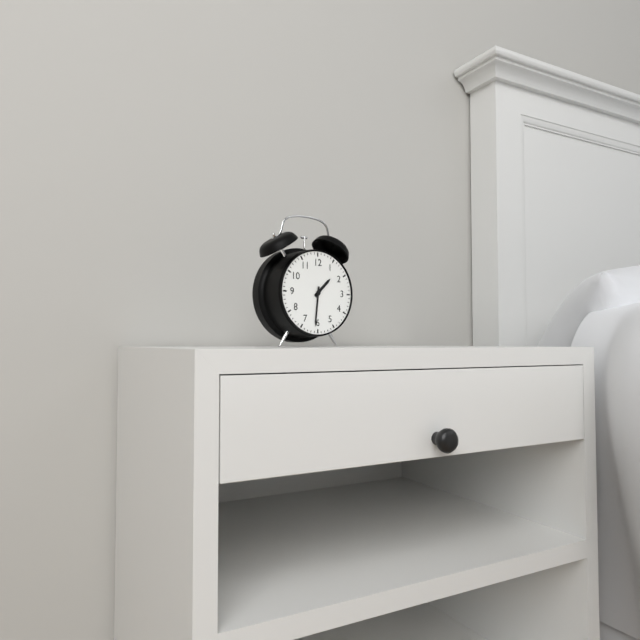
1:31
